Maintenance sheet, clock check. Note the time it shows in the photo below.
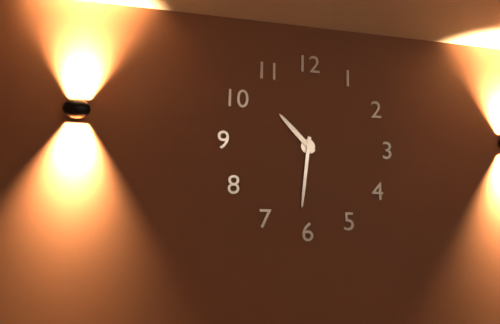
10:31
